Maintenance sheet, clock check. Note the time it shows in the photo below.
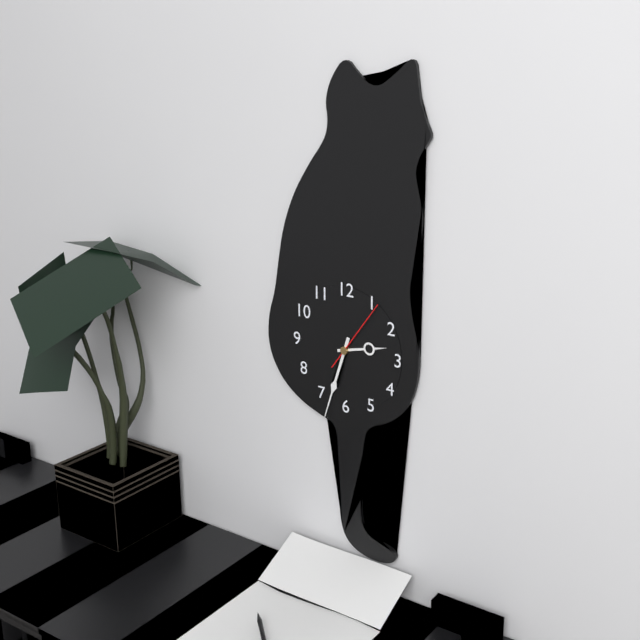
2:33:06
